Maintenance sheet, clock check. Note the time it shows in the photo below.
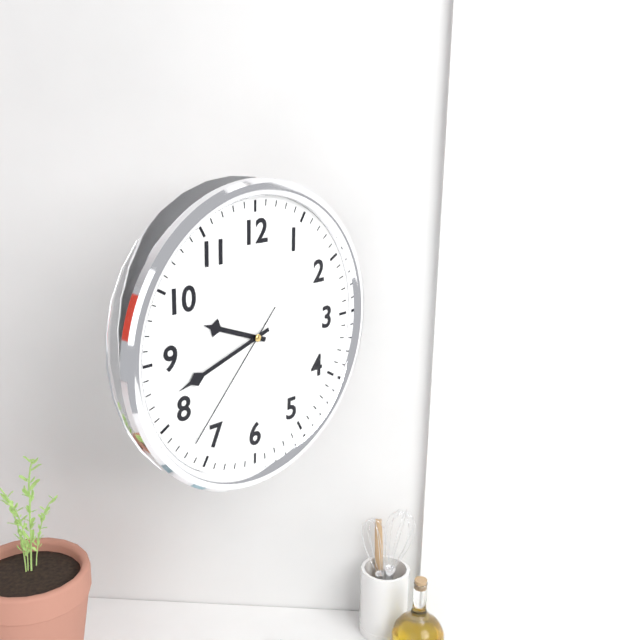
9:42:37
